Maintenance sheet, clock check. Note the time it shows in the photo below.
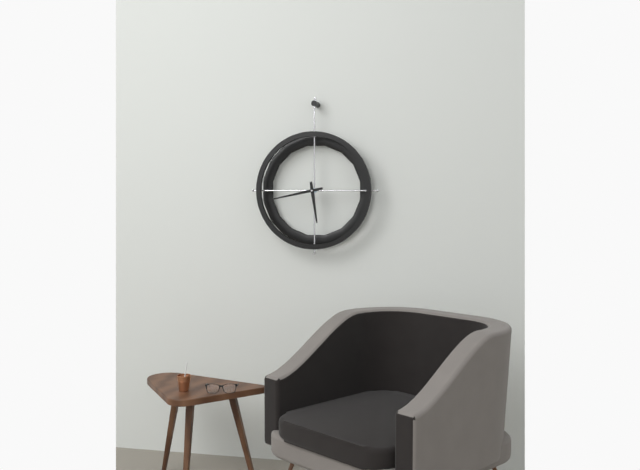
5:43
